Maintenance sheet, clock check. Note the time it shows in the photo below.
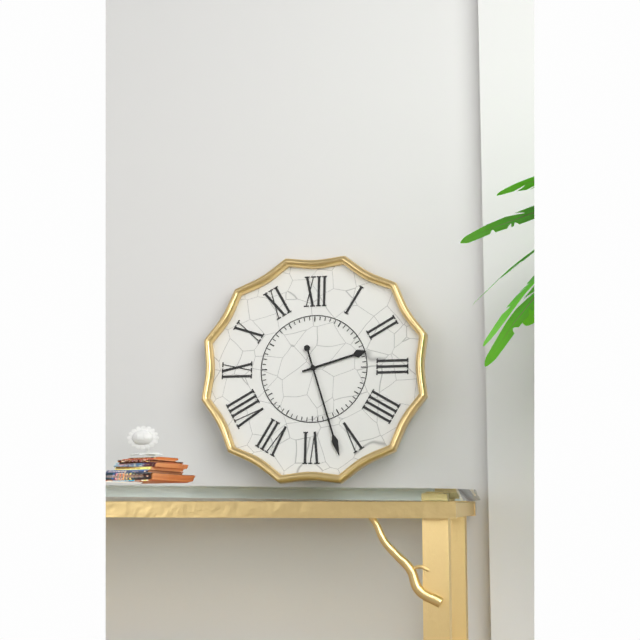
2:27
